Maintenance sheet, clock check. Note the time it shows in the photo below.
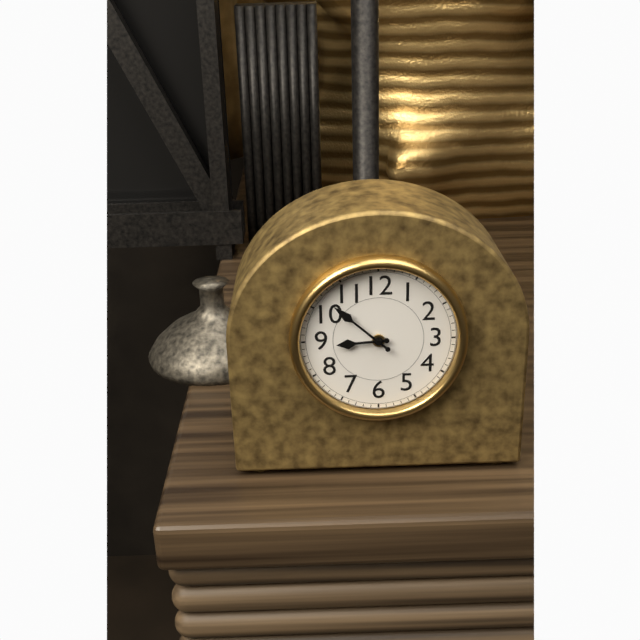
8:52
